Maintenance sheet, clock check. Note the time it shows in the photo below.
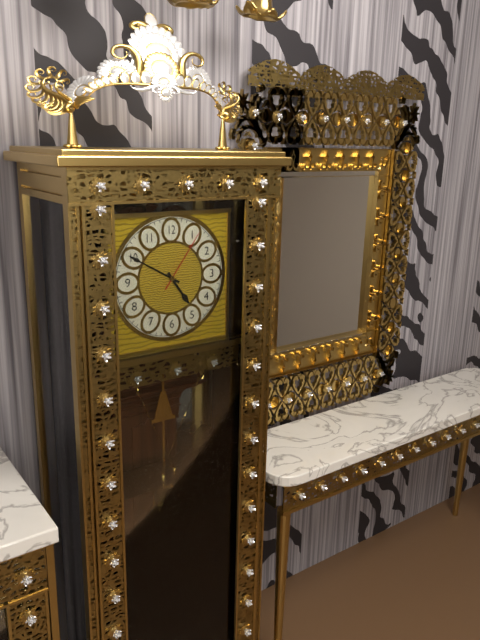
4:50:06
